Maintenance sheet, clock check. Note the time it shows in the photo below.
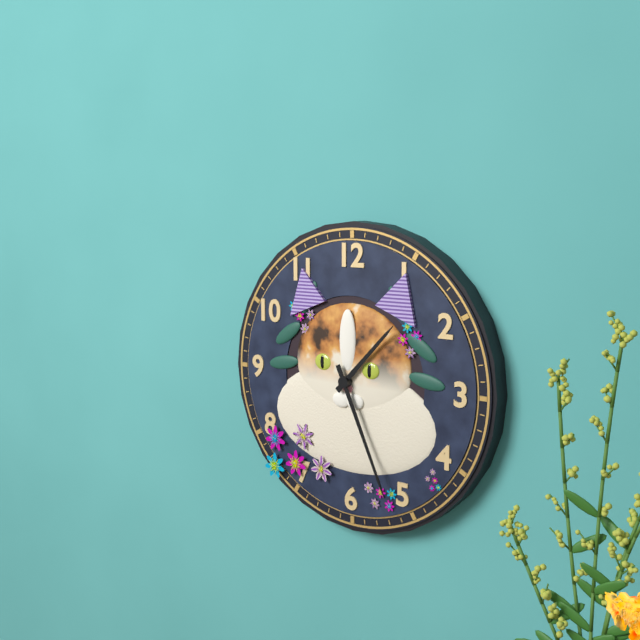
1:26
